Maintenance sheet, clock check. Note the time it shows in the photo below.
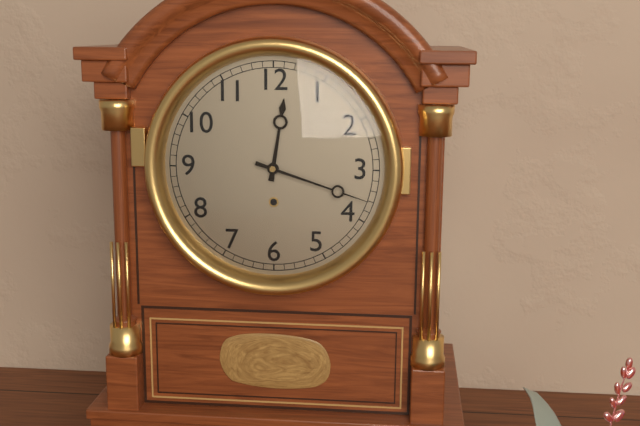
12:18
